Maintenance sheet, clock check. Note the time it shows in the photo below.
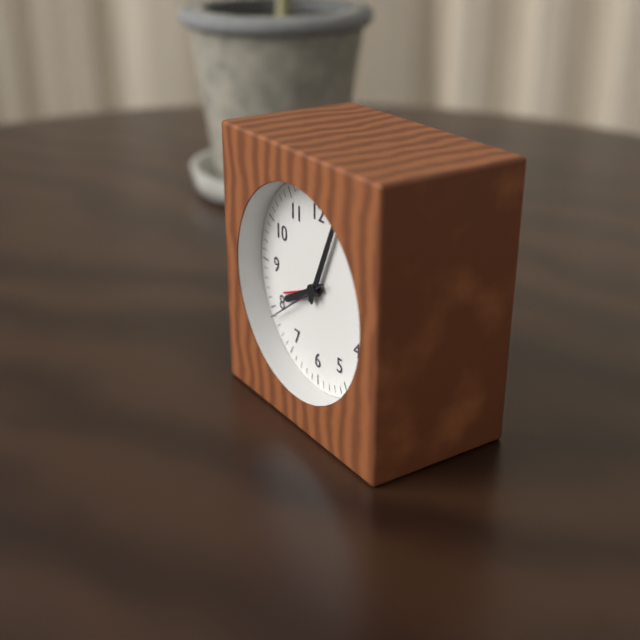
8:04:39
